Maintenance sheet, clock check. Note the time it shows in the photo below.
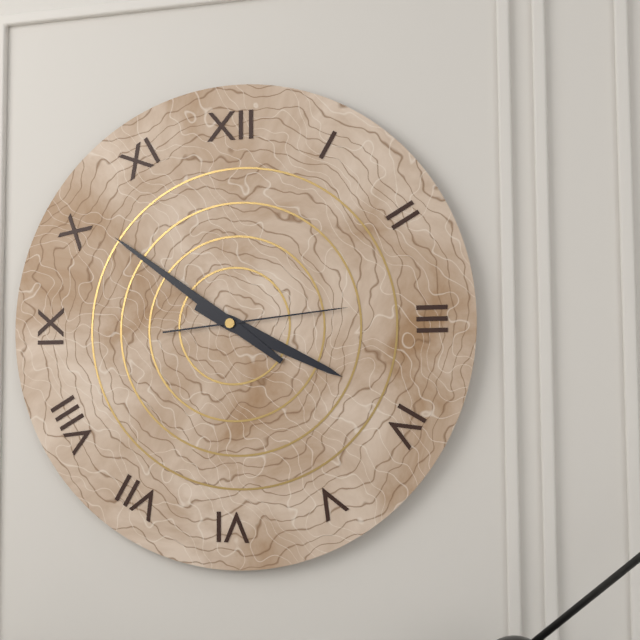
3:51:14
